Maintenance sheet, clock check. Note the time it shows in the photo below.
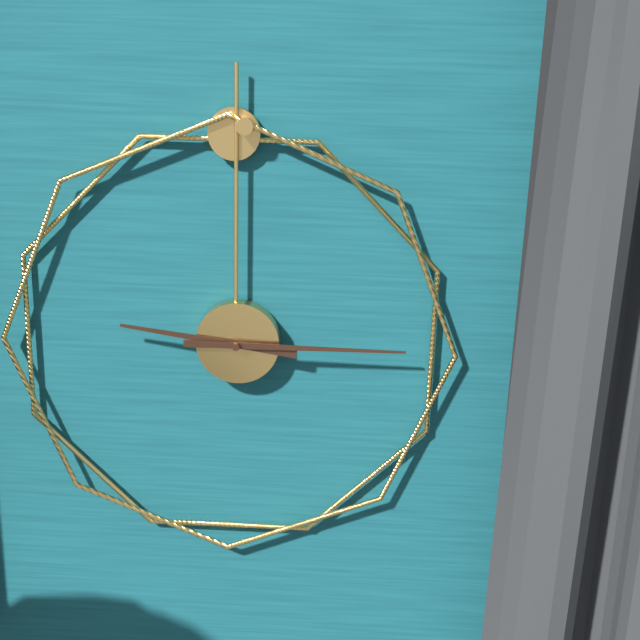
9:15
